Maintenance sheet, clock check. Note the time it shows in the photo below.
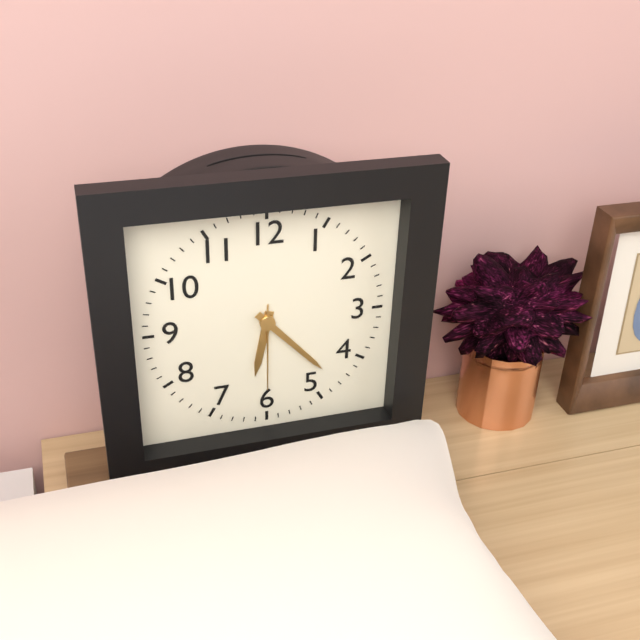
6:23:30
